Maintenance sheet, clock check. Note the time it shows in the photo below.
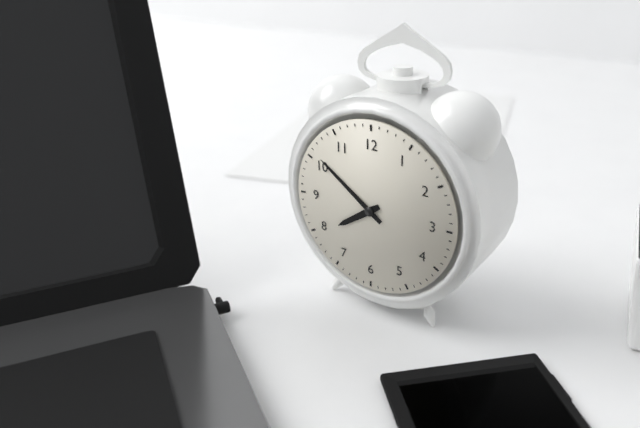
7:51
